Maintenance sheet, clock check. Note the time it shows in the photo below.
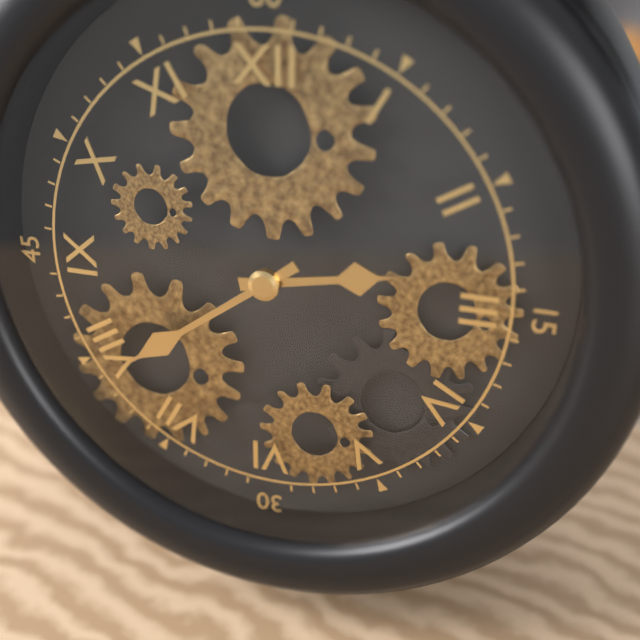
2:39
